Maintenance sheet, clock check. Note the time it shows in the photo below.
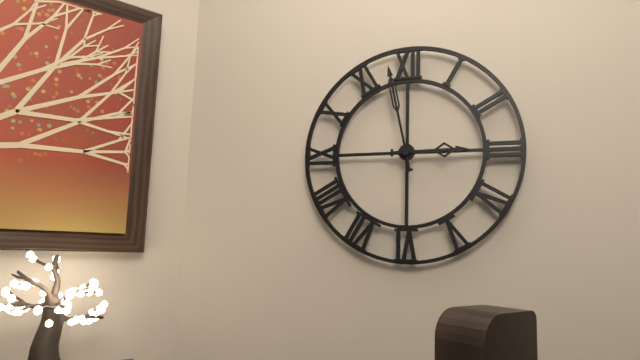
2:58
